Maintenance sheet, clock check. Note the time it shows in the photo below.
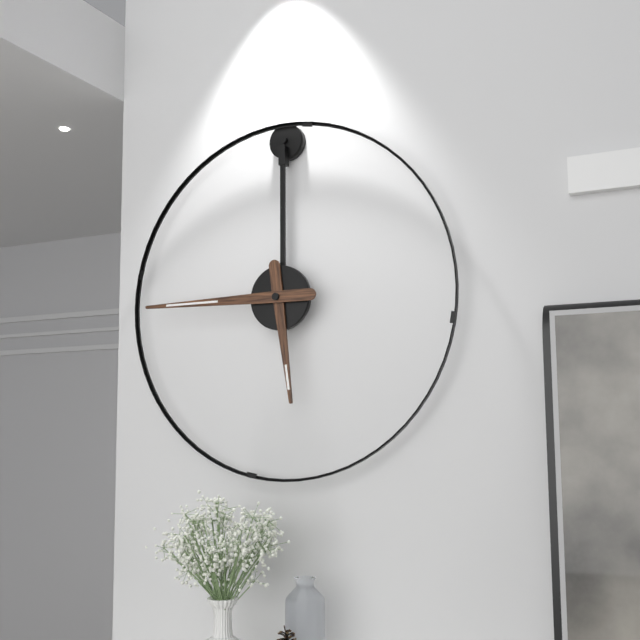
5:45
